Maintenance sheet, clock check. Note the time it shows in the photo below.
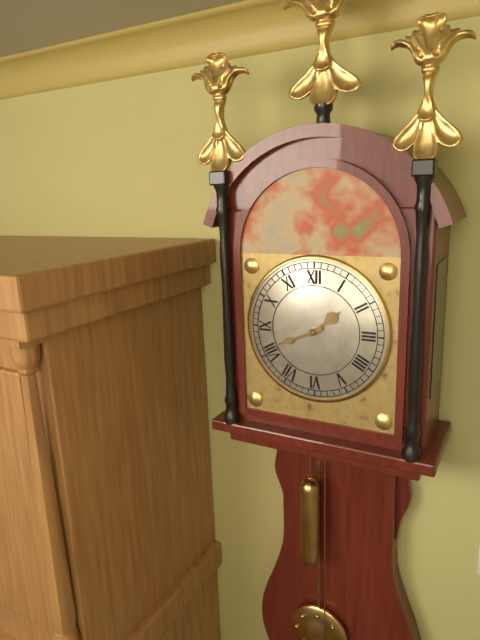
1:41
